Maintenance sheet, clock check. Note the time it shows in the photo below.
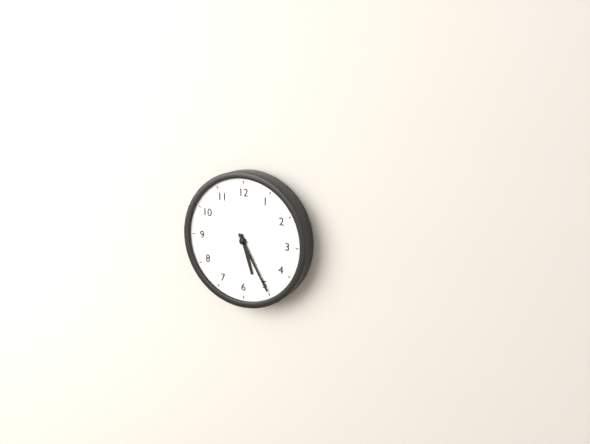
5:25
